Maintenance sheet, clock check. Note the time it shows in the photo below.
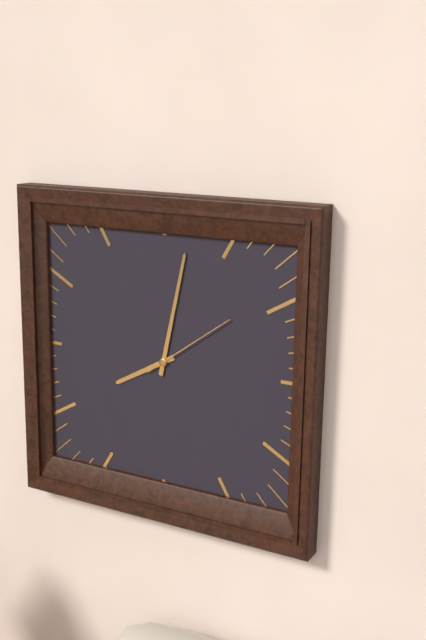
8:02:09
